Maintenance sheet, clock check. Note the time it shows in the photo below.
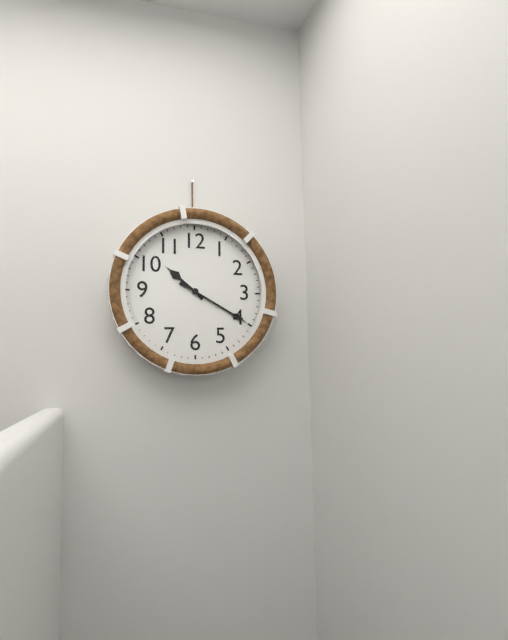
10:20
